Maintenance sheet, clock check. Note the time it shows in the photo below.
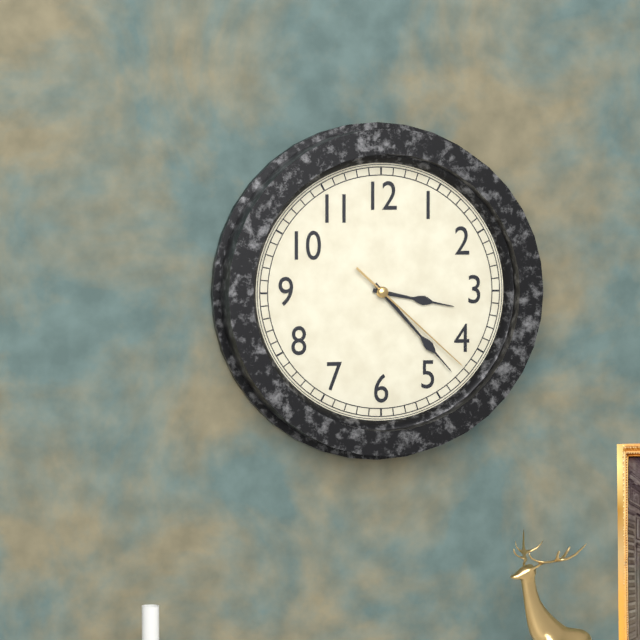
3:23:22
